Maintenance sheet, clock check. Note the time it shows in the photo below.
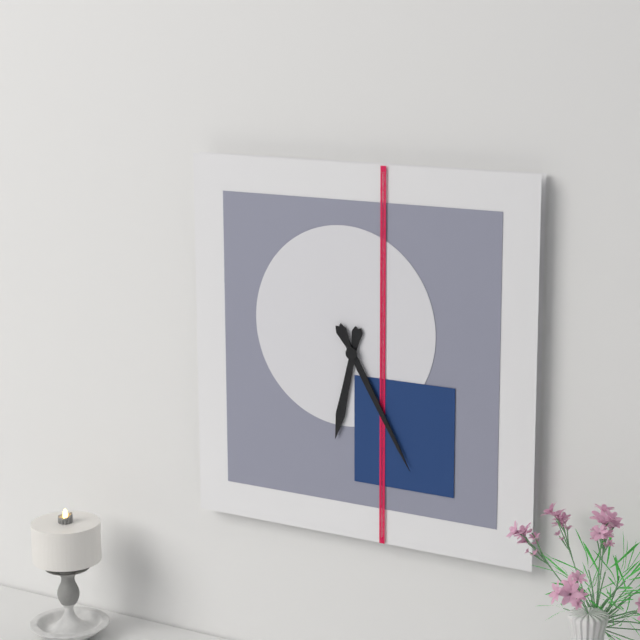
6:25
